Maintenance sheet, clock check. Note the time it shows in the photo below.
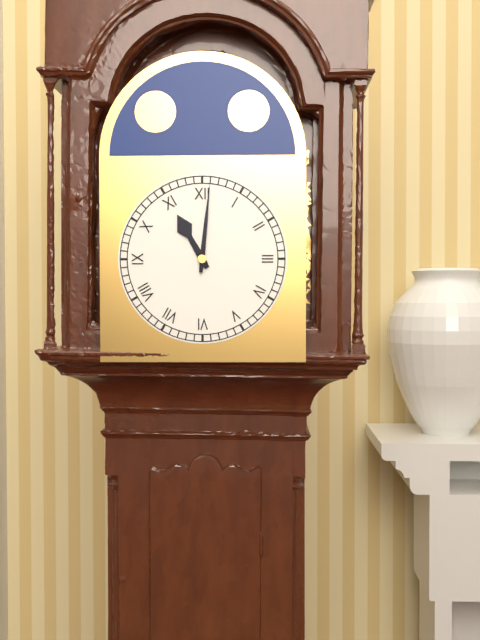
11:01
